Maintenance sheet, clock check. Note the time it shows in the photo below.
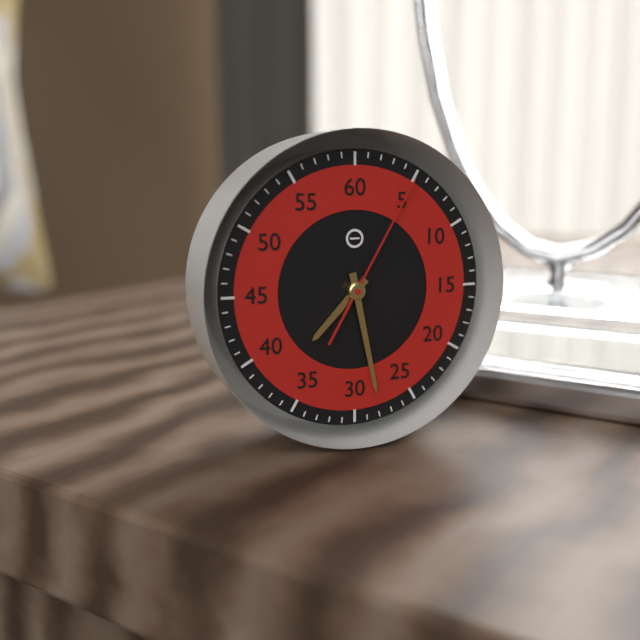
7:28:05
